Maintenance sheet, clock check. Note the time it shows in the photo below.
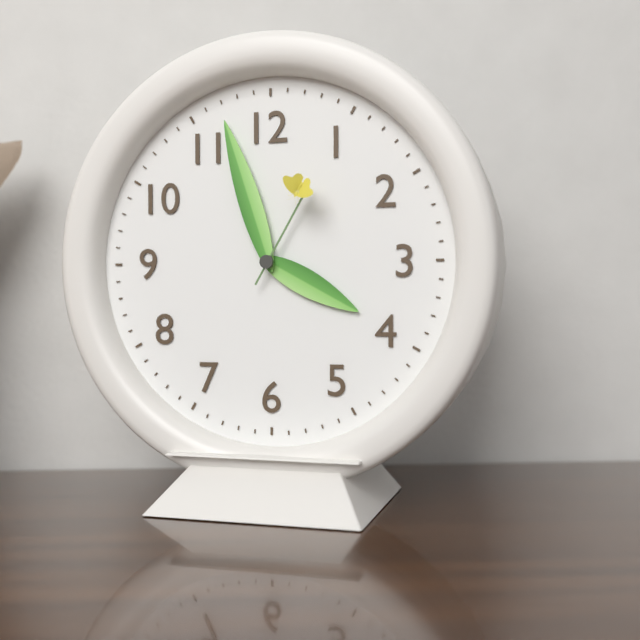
3:57:05
